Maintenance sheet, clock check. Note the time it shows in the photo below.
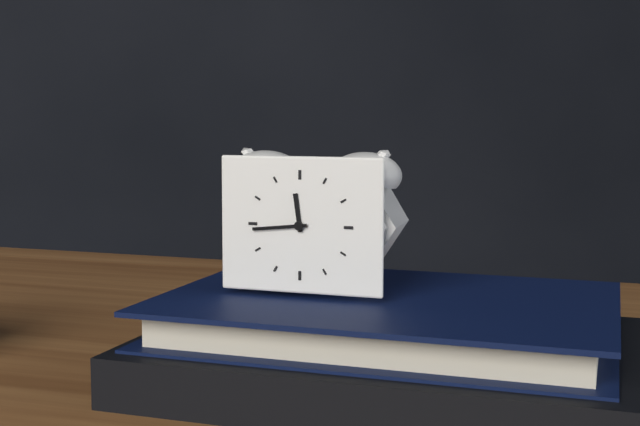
11:44
